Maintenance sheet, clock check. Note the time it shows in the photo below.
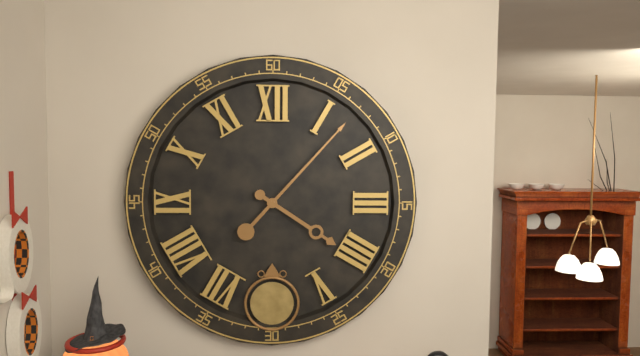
4:07
